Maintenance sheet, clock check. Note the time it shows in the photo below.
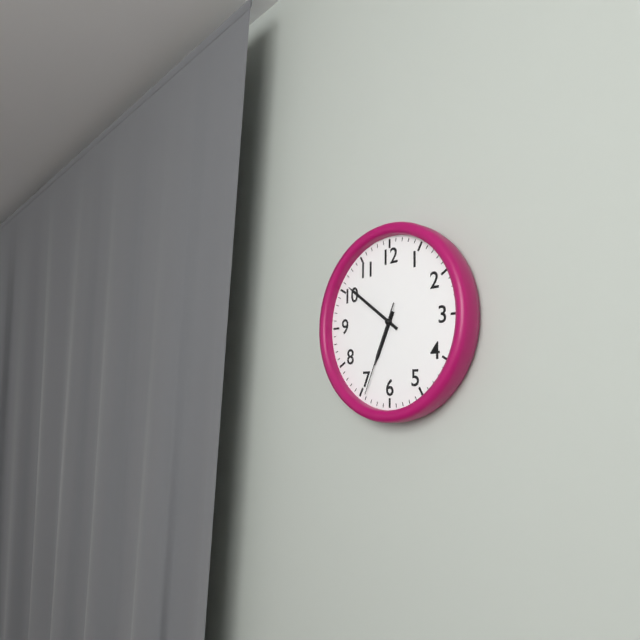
6:51:34
